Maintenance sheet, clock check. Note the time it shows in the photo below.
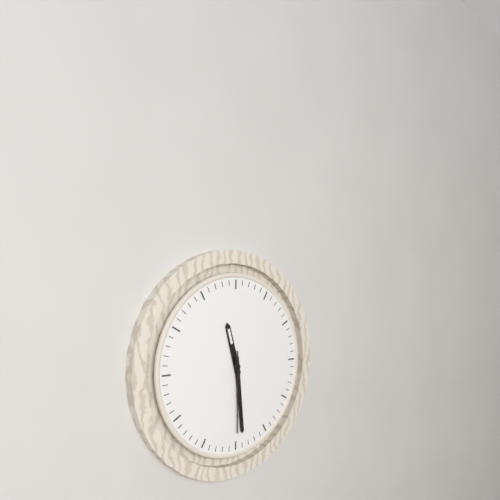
11:29:30
